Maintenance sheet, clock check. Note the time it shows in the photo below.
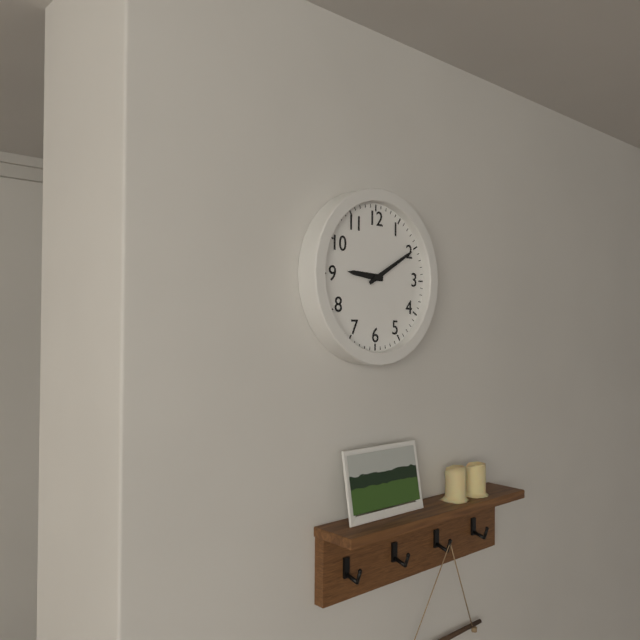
9:10
